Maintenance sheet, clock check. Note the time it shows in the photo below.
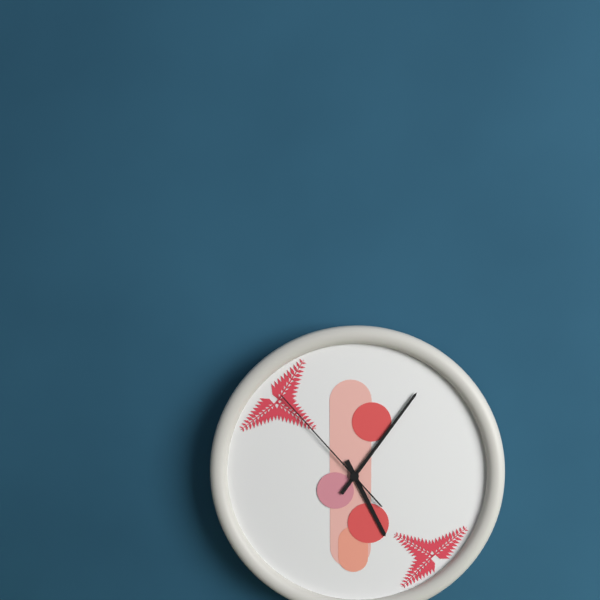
5:06:53
